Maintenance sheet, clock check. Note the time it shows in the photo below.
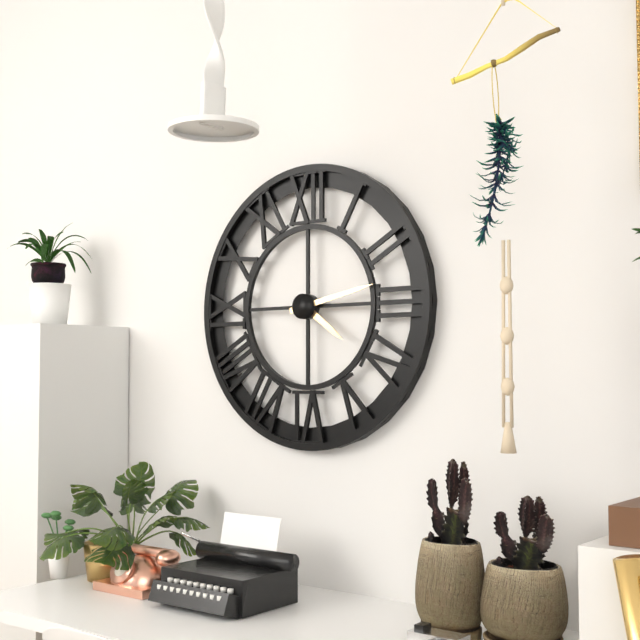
4:13
